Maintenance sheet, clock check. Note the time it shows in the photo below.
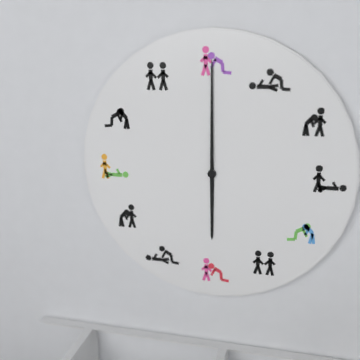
6:00
